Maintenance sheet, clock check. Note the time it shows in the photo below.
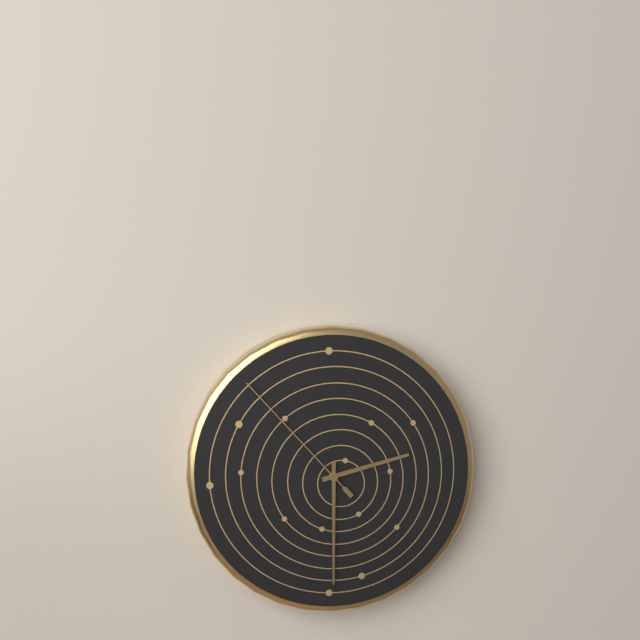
2:30:53
